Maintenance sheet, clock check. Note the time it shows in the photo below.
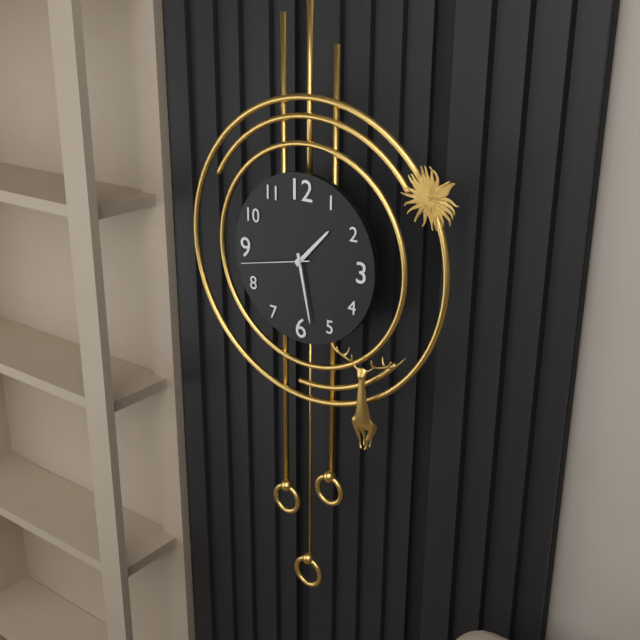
1:28:43
